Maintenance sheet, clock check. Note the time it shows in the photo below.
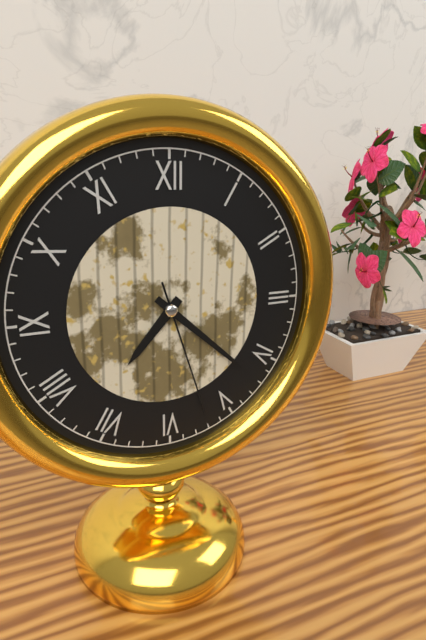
7:22:27
